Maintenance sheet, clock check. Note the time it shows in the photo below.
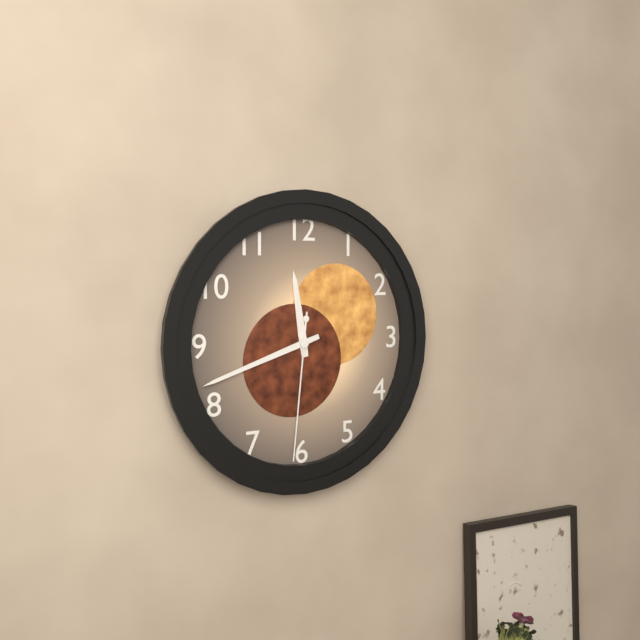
11:42:31
